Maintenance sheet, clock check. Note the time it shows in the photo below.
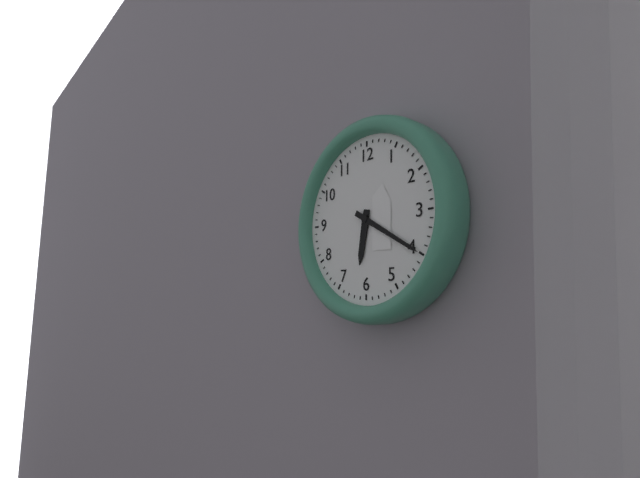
6:20
